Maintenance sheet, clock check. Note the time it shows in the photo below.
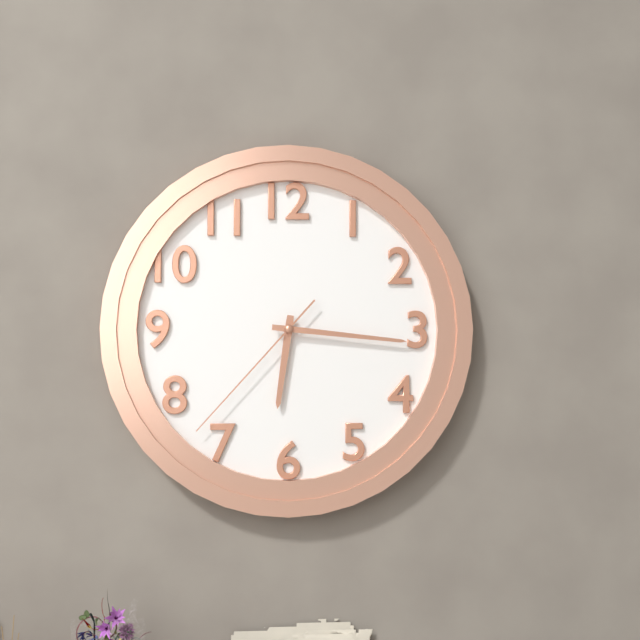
6:16:37
